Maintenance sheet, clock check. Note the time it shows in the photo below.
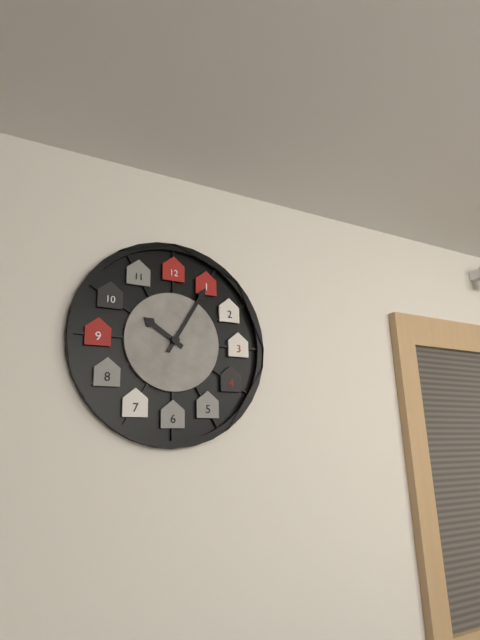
10:05
